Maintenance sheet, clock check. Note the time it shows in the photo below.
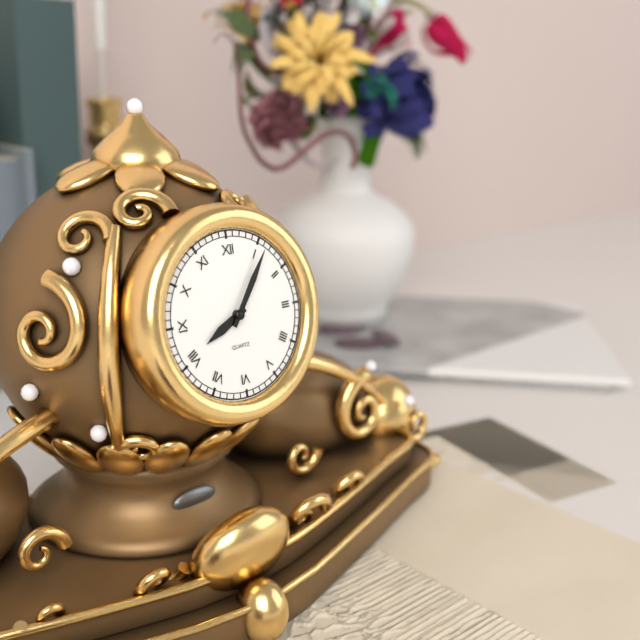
8:06
